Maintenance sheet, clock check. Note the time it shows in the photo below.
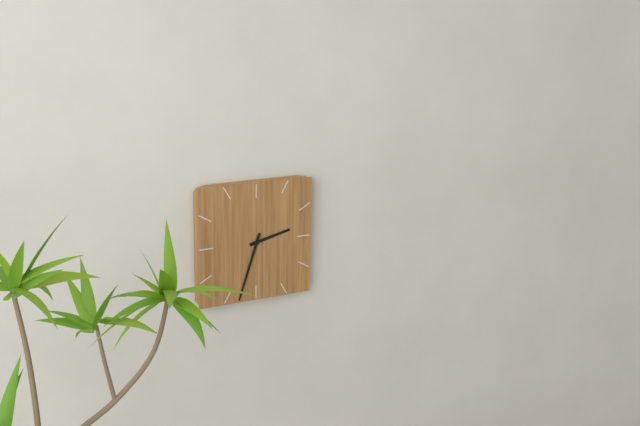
2:33
